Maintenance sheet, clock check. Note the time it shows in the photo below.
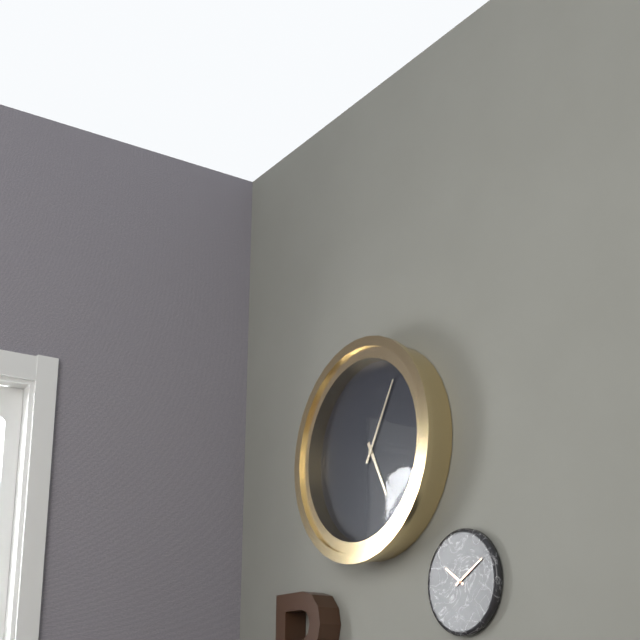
5:05
